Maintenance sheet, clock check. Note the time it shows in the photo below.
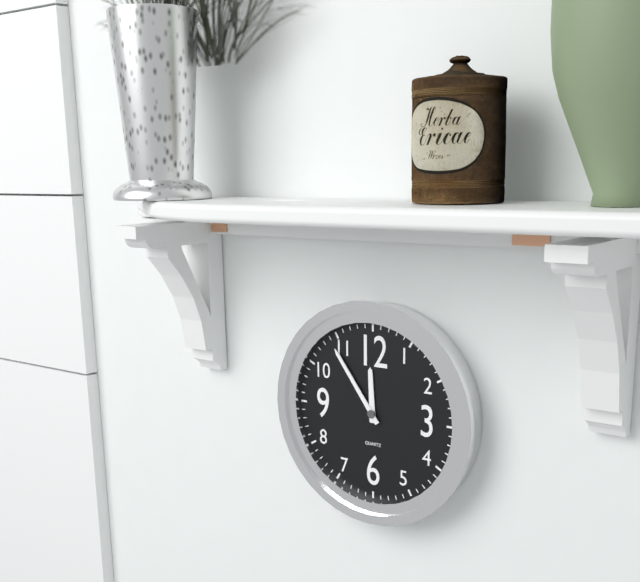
11:54
